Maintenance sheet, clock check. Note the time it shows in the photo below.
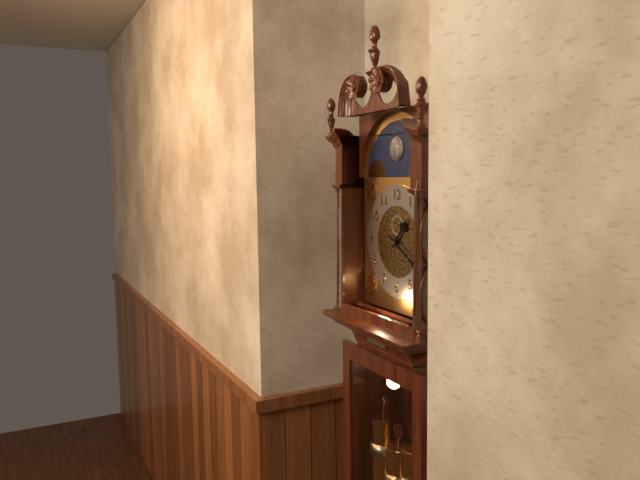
1:20
